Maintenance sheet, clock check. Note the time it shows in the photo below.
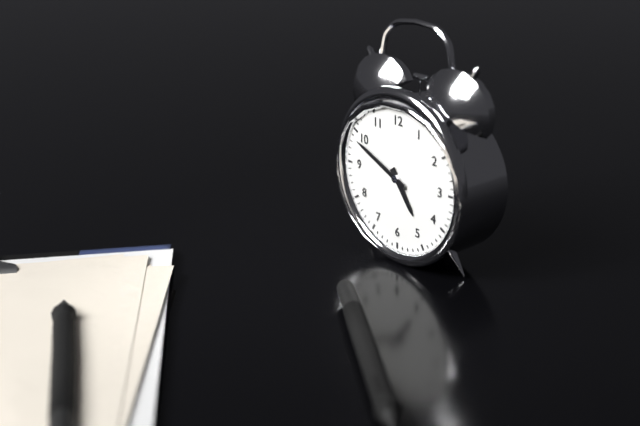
4:49
